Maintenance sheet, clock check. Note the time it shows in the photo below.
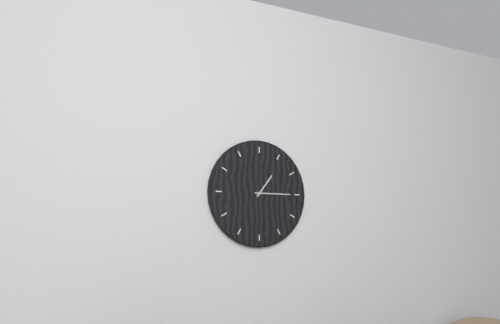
1:15
